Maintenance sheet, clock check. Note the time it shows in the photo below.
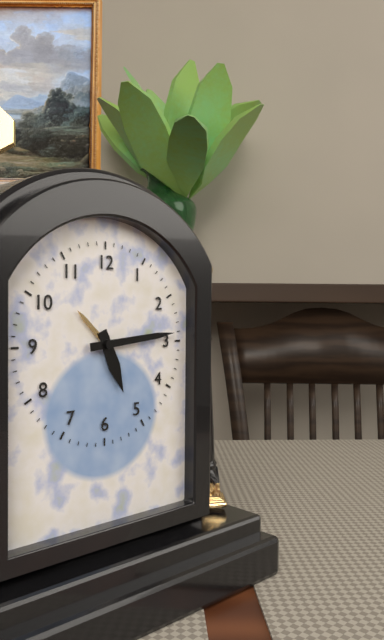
5:14
